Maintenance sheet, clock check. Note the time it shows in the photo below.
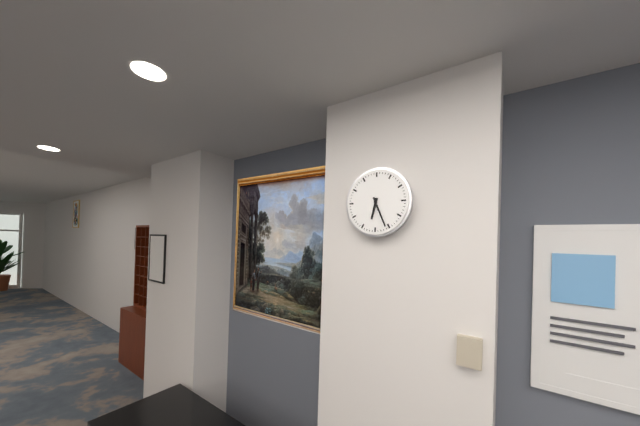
6:26
